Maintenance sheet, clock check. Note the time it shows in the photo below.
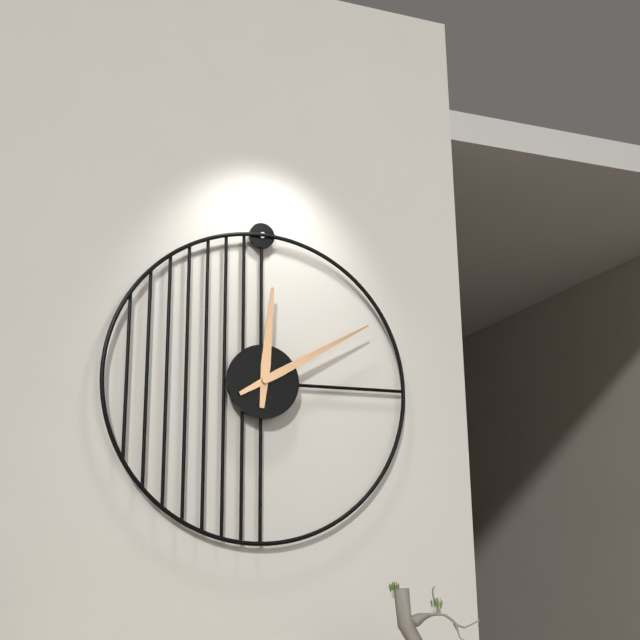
12:10
